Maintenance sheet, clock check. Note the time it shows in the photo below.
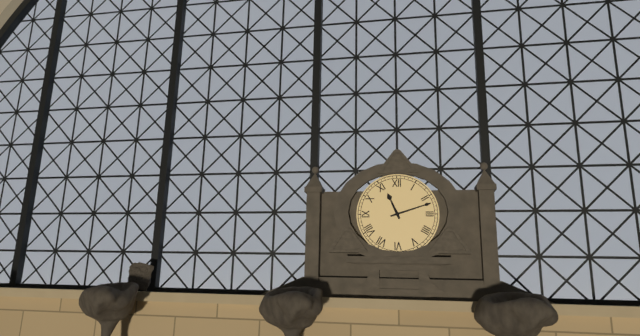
11:12
